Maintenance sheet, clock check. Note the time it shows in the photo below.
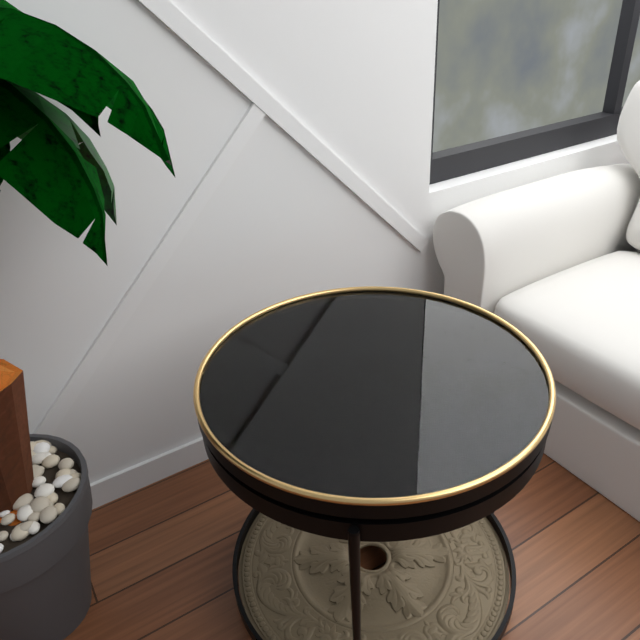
9:04
